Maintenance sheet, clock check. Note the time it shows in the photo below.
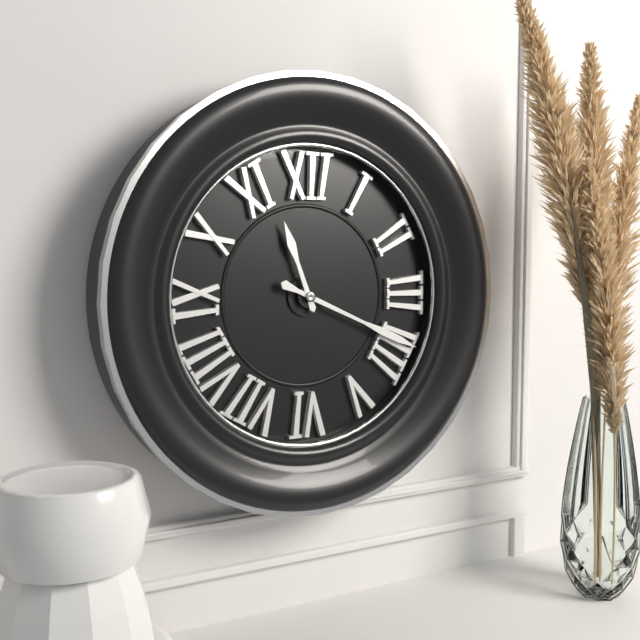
11:19
